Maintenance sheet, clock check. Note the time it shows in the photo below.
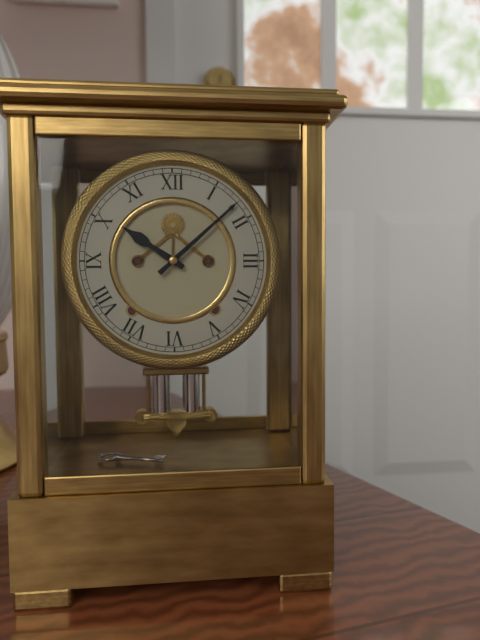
10:08
